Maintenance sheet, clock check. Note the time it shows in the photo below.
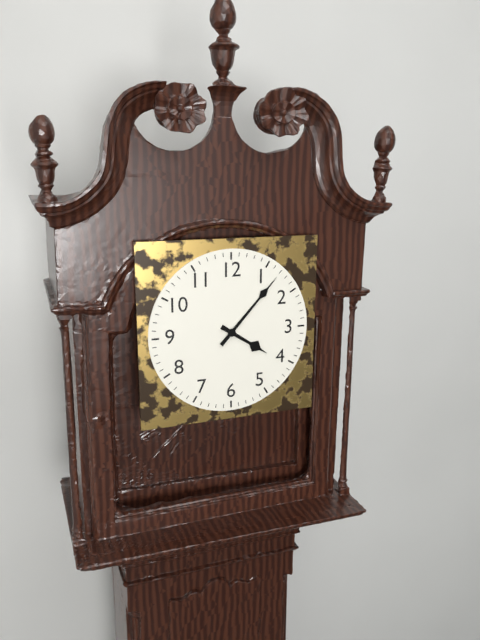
4:07
